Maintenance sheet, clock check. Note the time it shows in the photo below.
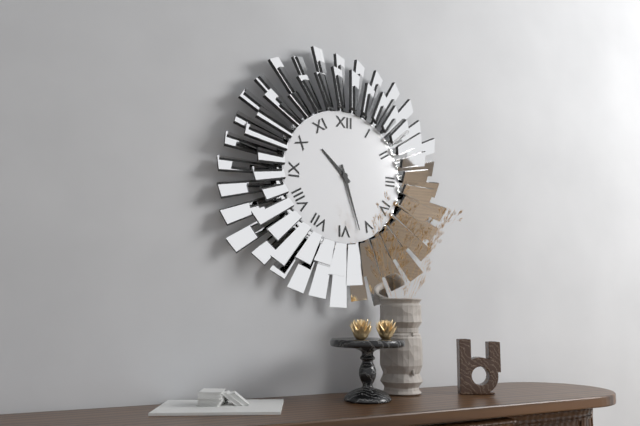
10:27
